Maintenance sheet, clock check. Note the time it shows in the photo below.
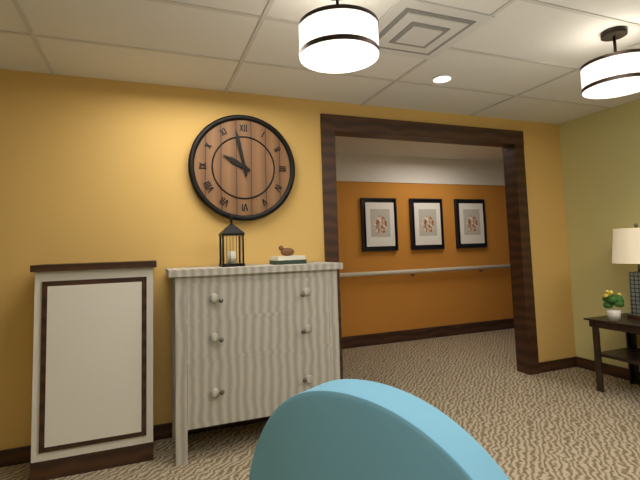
9:58
